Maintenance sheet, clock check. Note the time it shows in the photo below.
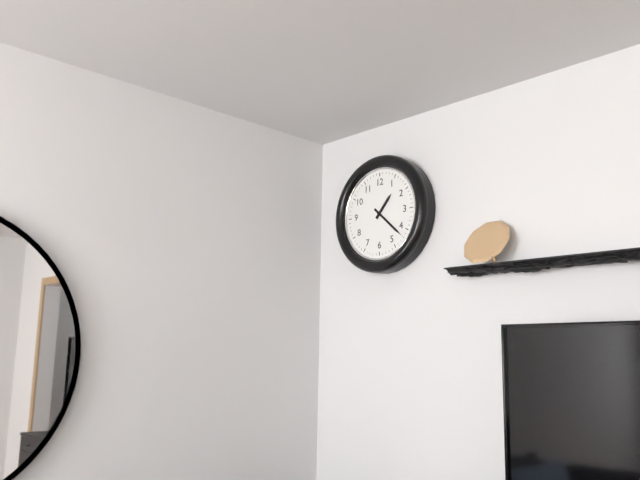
1:22
